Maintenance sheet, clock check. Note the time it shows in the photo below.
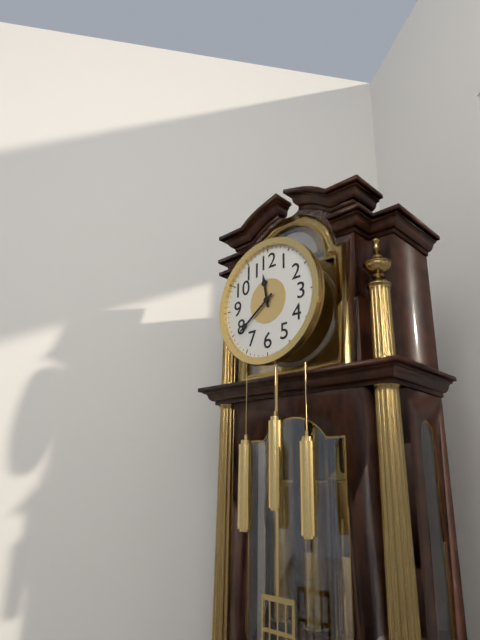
11:39
